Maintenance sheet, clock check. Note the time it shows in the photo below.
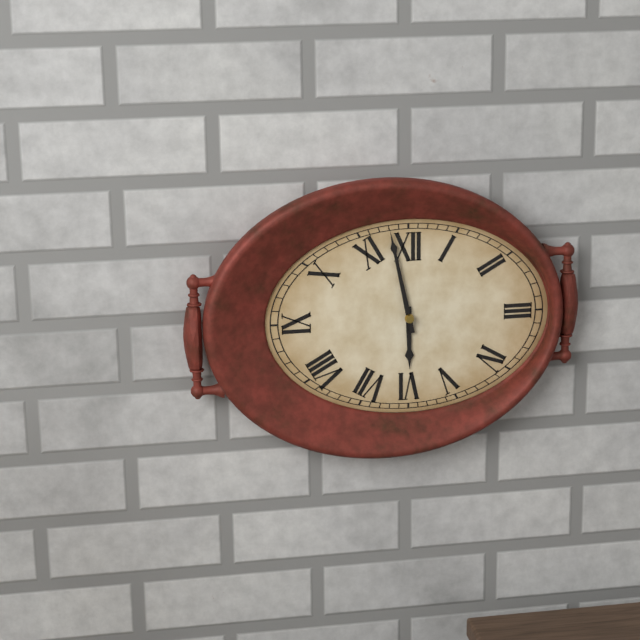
5:58
